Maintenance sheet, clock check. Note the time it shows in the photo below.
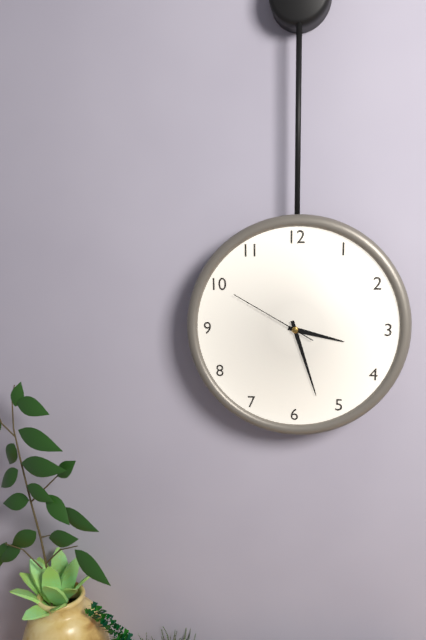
3:27:50
